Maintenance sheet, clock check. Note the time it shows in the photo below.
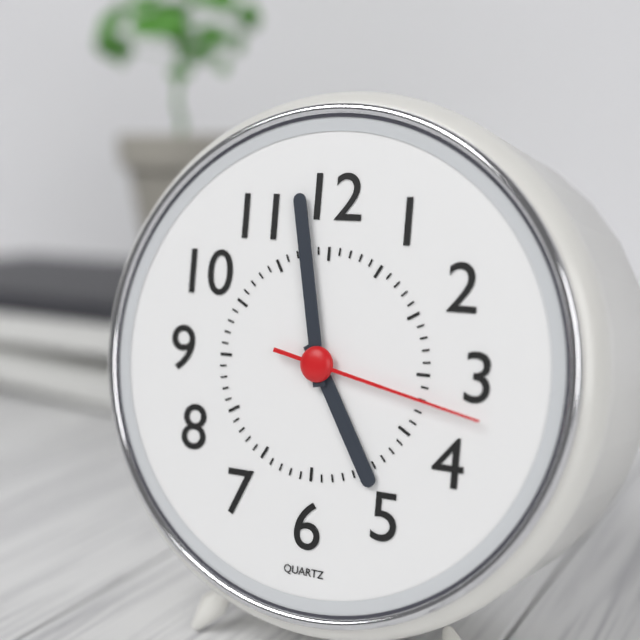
4:58:17
